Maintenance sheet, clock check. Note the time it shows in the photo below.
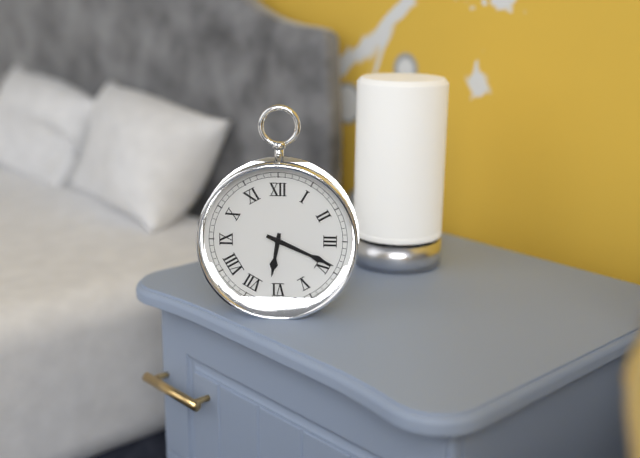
6:19
